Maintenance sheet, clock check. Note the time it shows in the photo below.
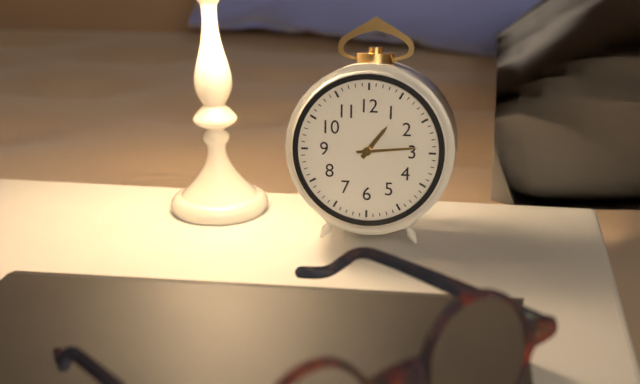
1:14
